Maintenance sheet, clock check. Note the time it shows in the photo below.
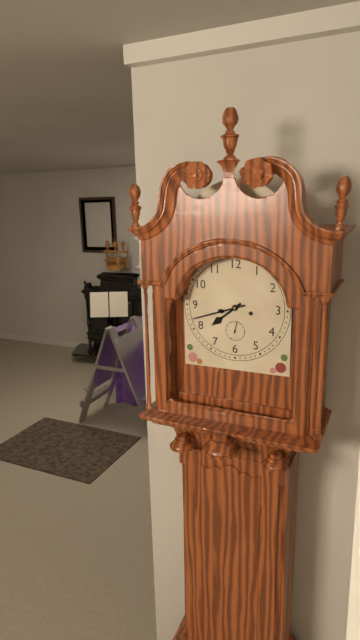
7:42
